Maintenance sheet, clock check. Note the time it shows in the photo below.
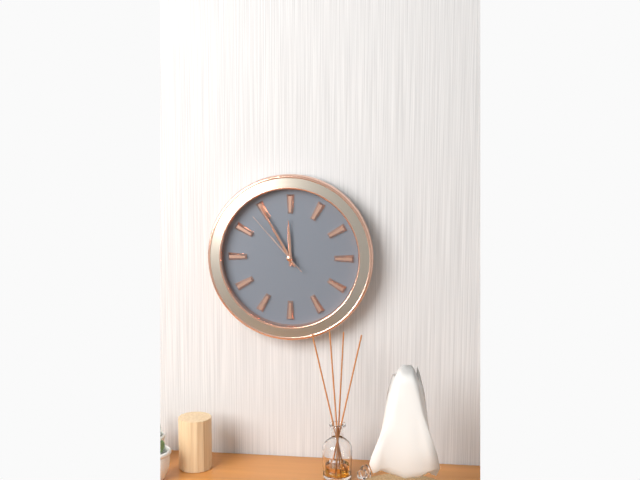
11:55:53
